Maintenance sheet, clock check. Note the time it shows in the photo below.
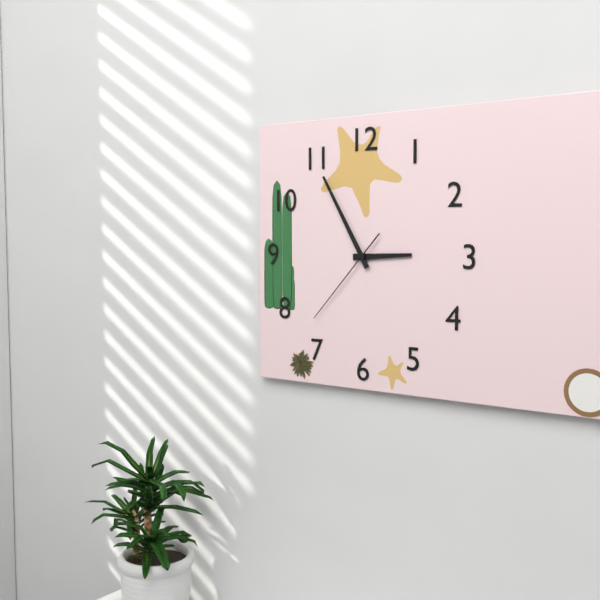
2:55:37
